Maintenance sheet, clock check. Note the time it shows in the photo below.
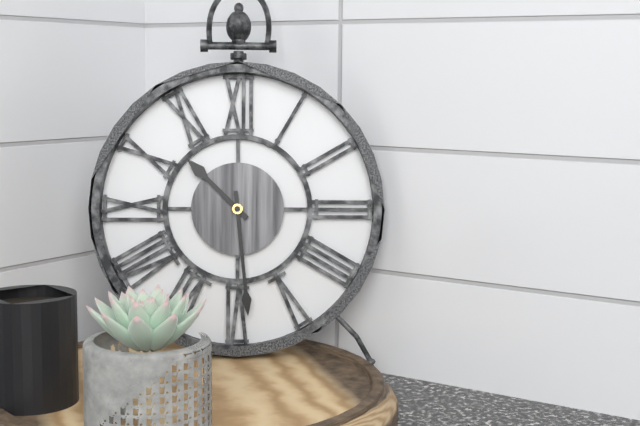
10:29
